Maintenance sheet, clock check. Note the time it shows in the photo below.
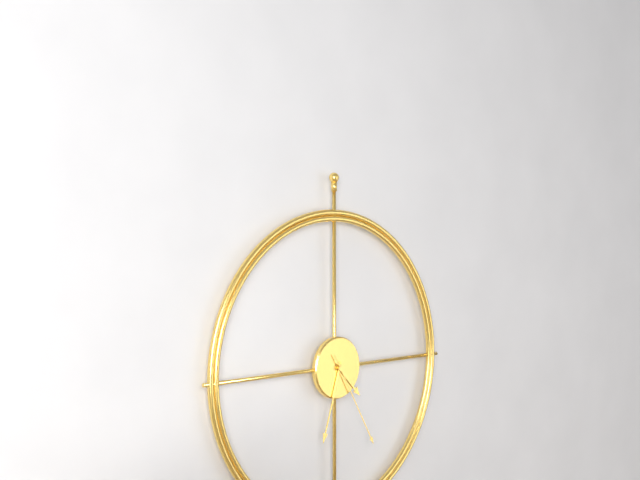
4:33:25
